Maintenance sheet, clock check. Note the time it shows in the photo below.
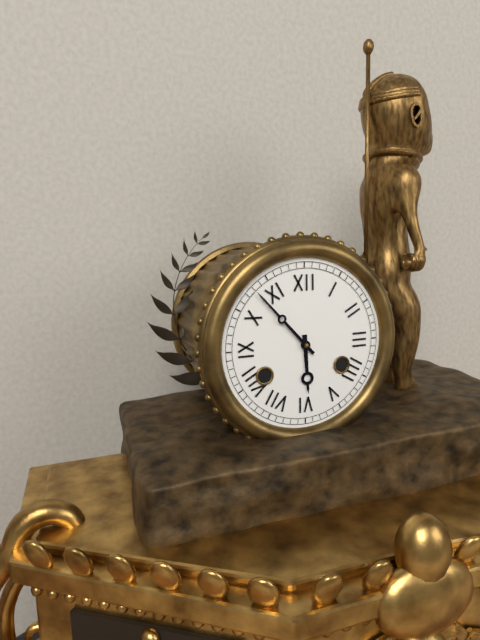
5:53
